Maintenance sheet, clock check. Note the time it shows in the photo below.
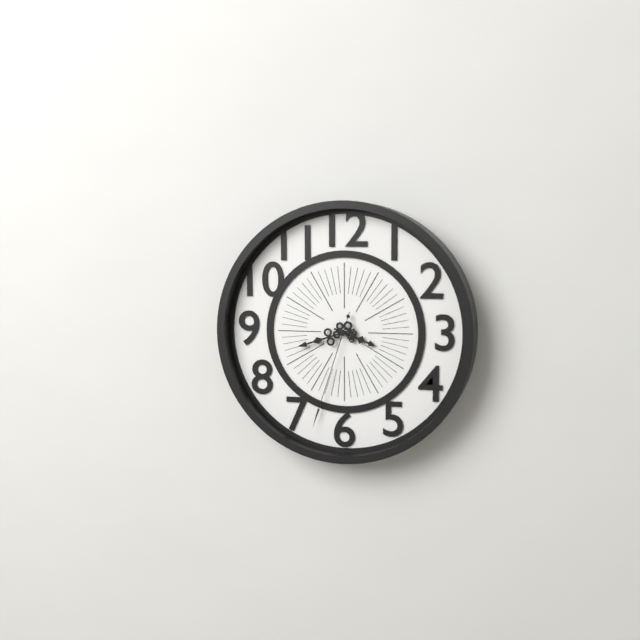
3:42:33
